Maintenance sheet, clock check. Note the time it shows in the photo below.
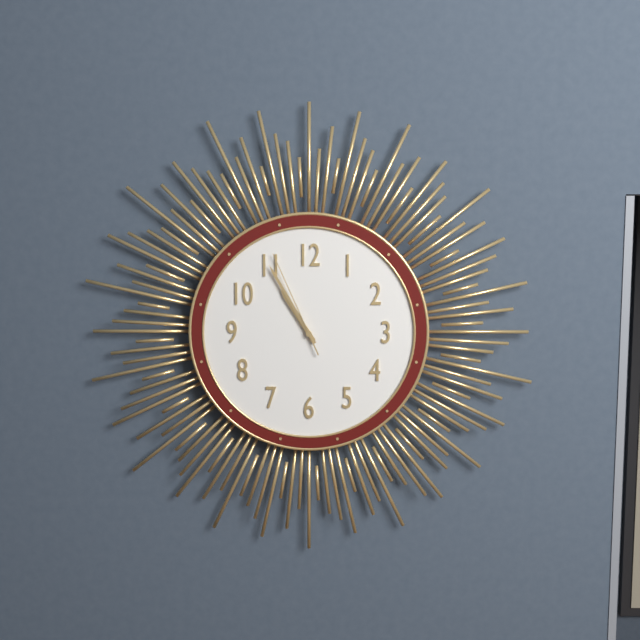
10:55:56
